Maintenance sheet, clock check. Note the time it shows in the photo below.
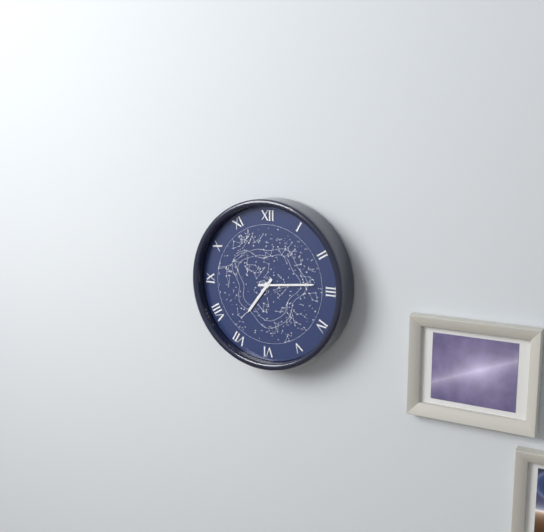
7:14
